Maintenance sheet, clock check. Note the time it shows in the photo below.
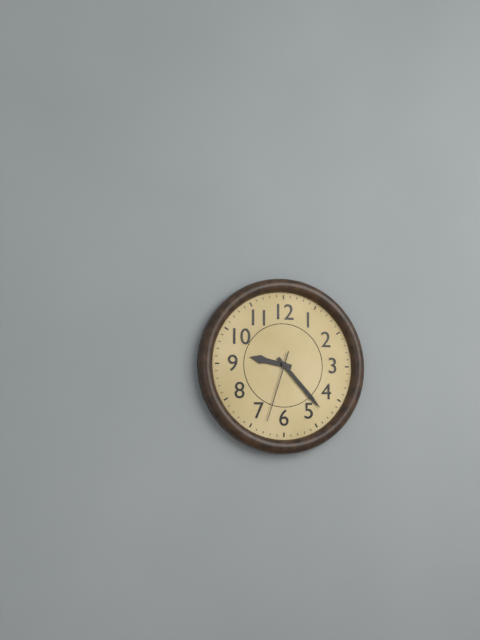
9:23:33
